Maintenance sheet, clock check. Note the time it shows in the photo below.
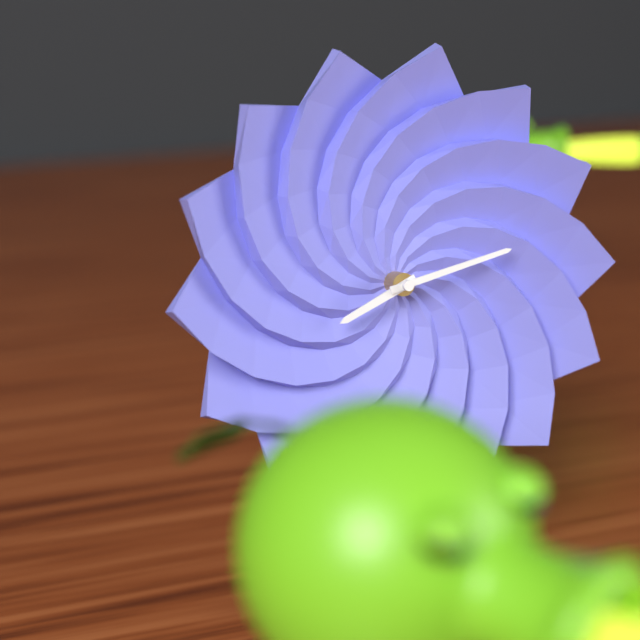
8:13
